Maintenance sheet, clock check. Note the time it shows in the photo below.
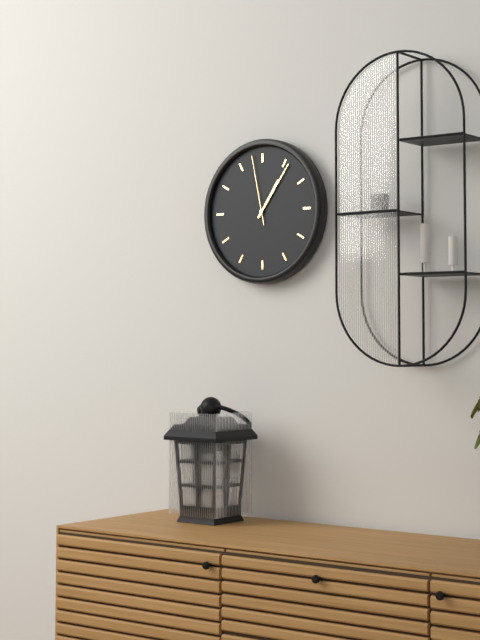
1:06:58
